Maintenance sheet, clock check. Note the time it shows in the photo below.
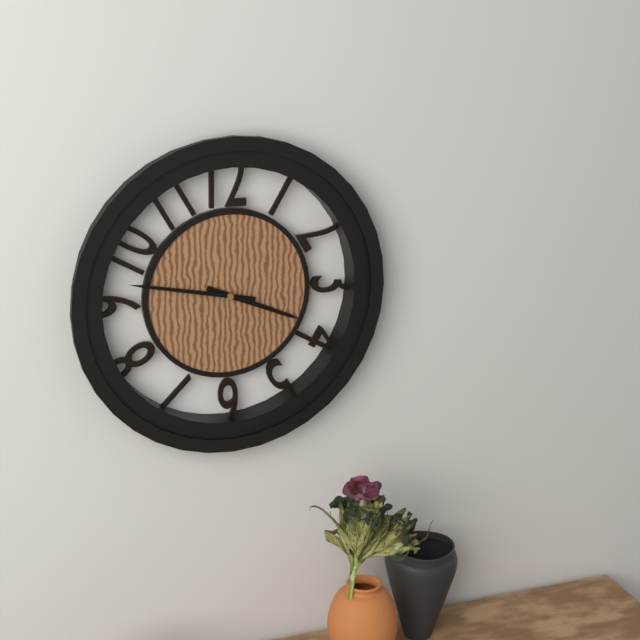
3:47
